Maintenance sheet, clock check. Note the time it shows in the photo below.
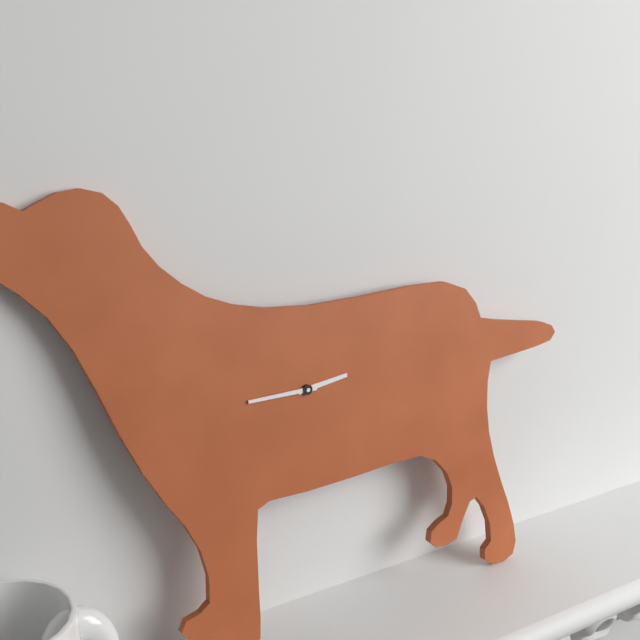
2:45
